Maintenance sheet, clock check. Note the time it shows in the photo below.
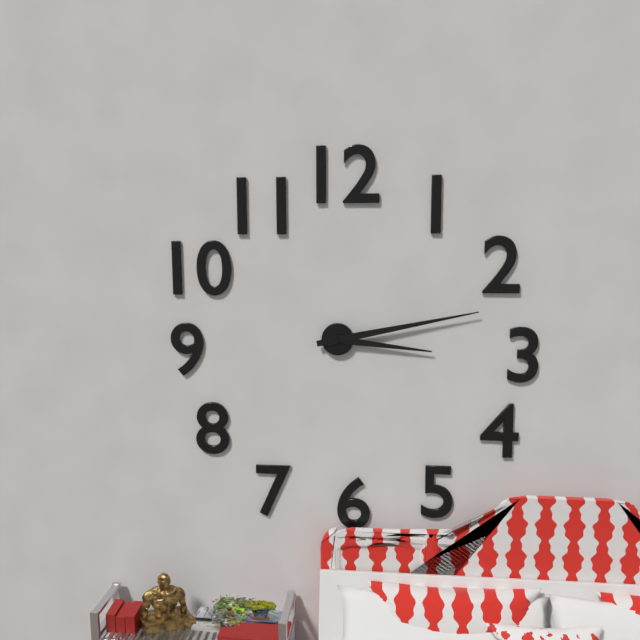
3:13
